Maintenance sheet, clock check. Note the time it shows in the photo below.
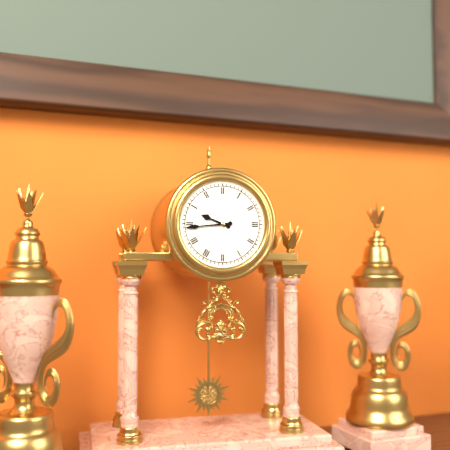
9:44
